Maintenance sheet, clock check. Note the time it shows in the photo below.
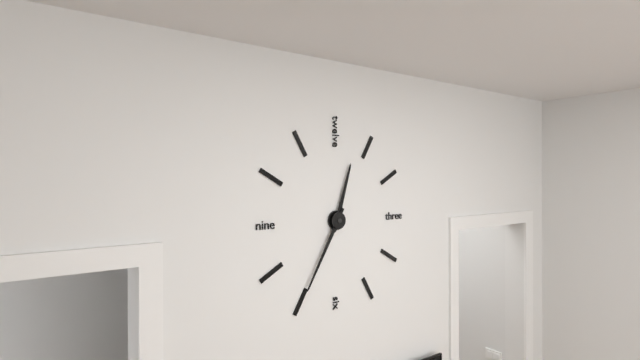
12:35
